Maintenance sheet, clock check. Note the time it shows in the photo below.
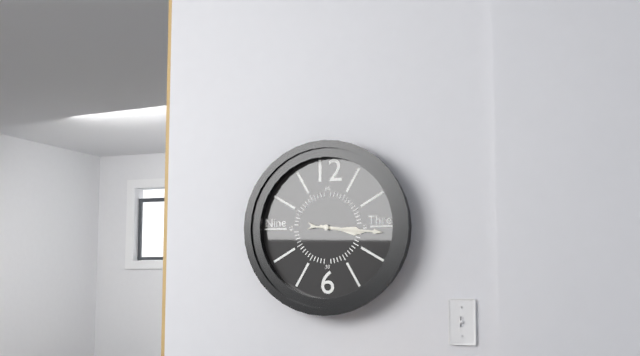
3:16
